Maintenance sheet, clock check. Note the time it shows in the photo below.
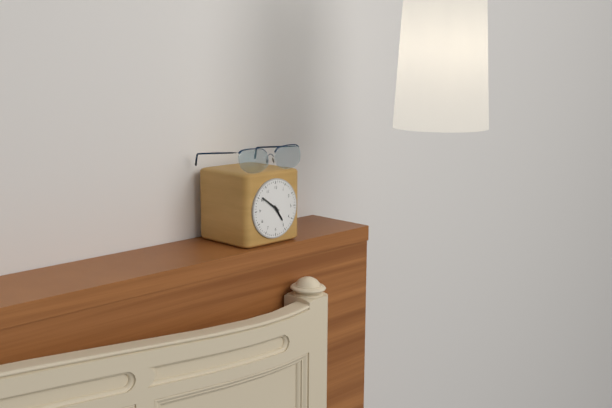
4:51
